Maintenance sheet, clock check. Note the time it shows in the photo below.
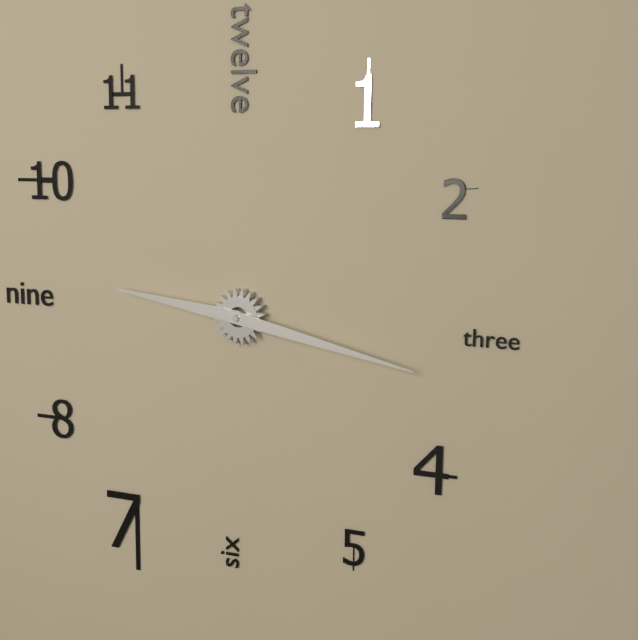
9:17
